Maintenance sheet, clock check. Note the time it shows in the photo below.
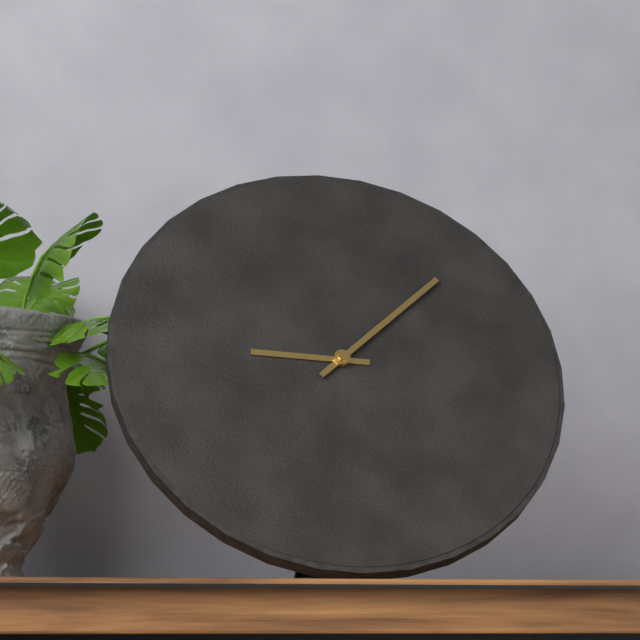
9:08
